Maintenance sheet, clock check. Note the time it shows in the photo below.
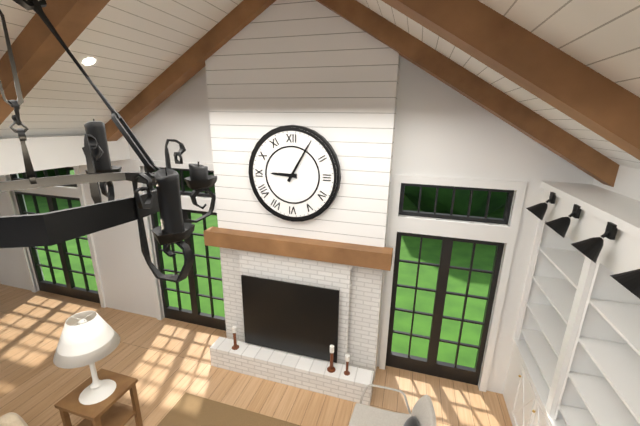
9:05
